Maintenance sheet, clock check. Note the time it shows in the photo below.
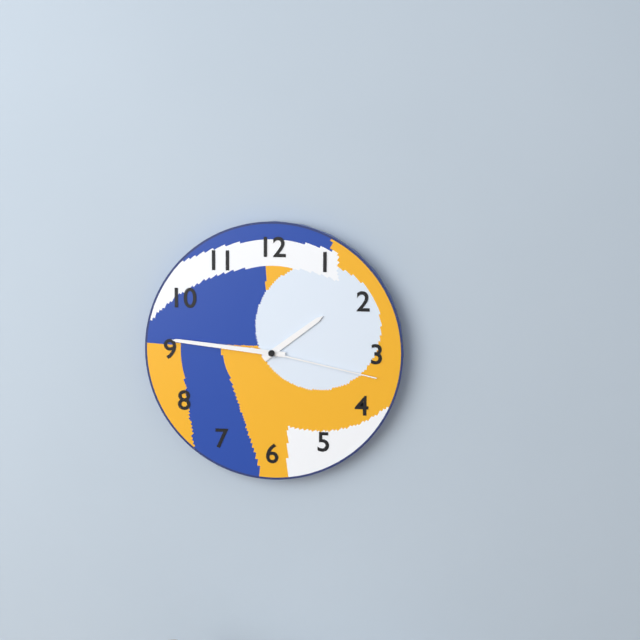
1:46:17
